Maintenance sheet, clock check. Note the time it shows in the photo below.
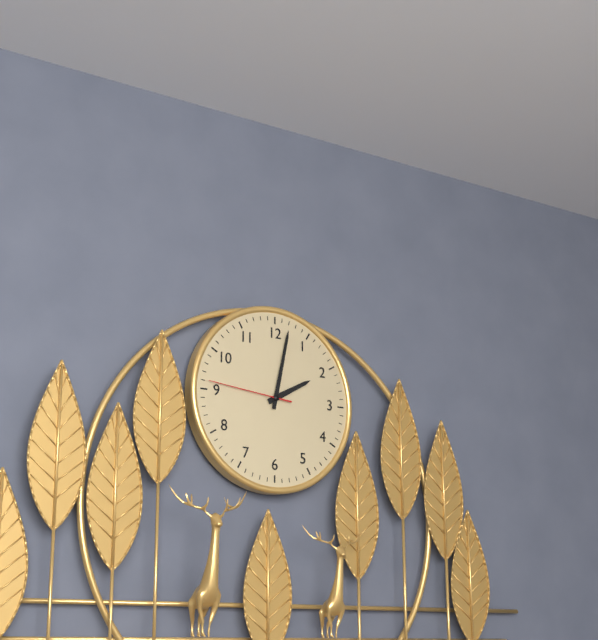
2:02:46
